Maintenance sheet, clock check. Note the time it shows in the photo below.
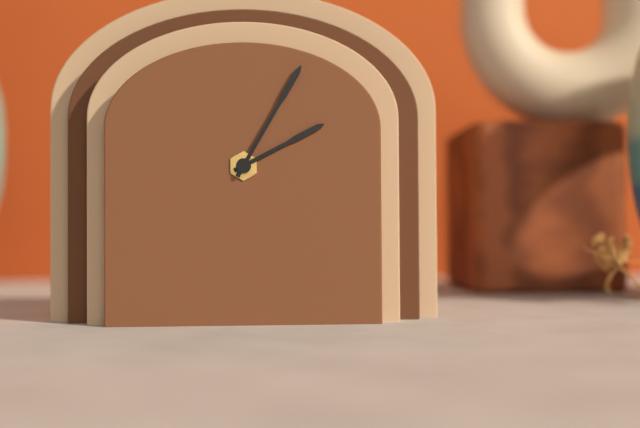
2:05
